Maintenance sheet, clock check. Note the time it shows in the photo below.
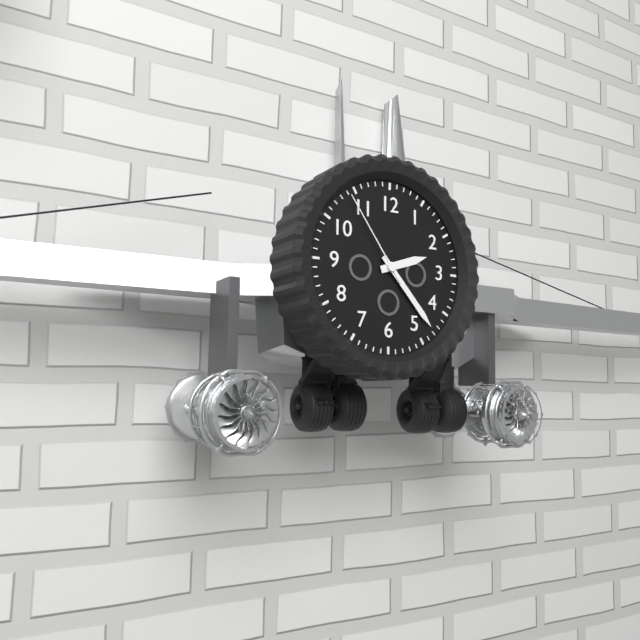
2:23:54
